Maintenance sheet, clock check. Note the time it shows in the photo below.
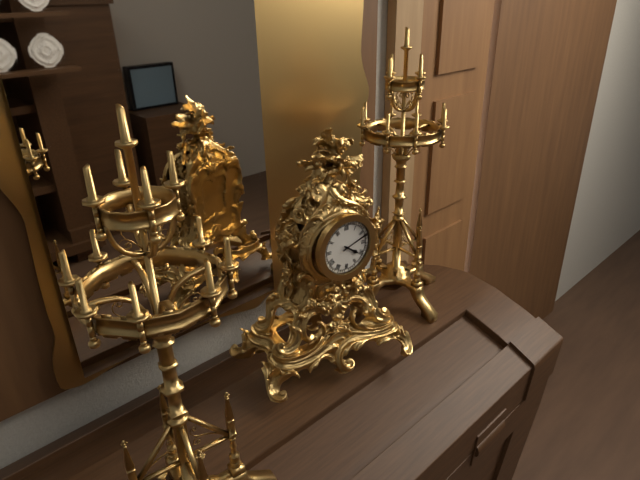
4:12
